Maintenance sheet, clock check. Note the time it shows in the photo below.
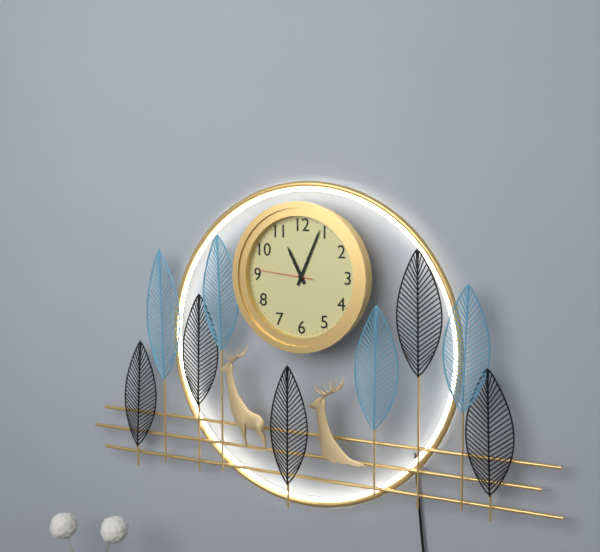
11:04:46
